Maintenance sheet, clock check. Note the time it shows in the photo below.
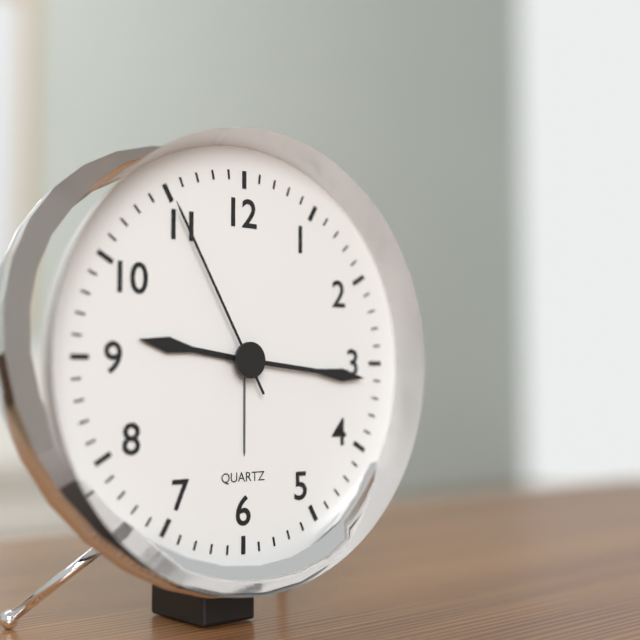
9:16:55
